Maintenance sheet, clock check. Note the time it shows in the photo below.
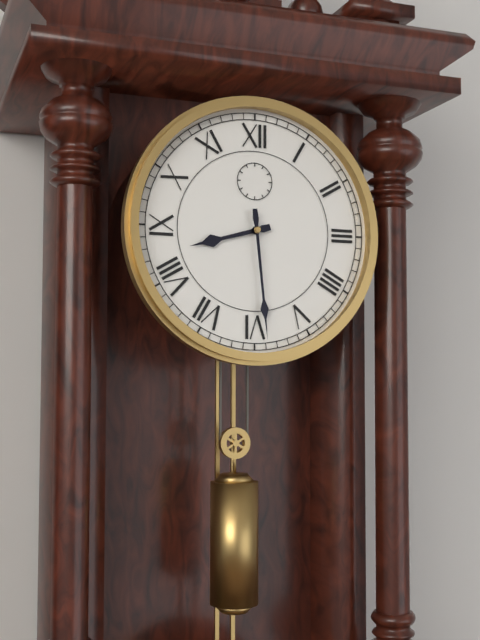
8:29
